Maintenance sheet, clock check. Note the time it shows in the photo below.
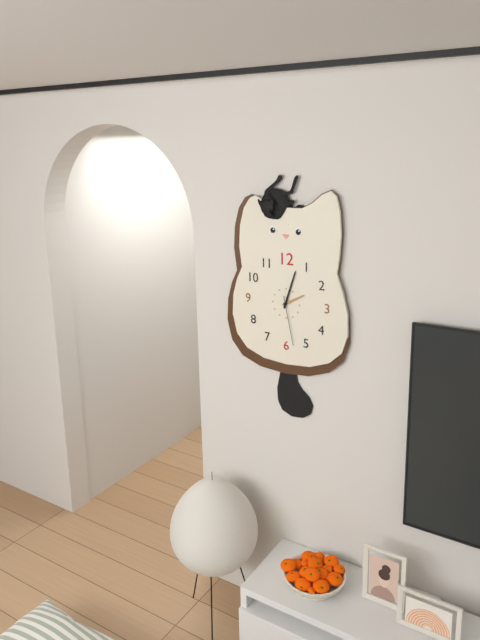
2:03:28
